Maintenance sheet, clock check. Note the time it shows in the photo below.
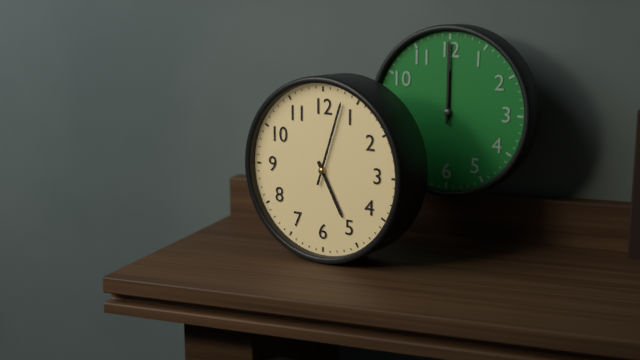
5:03
